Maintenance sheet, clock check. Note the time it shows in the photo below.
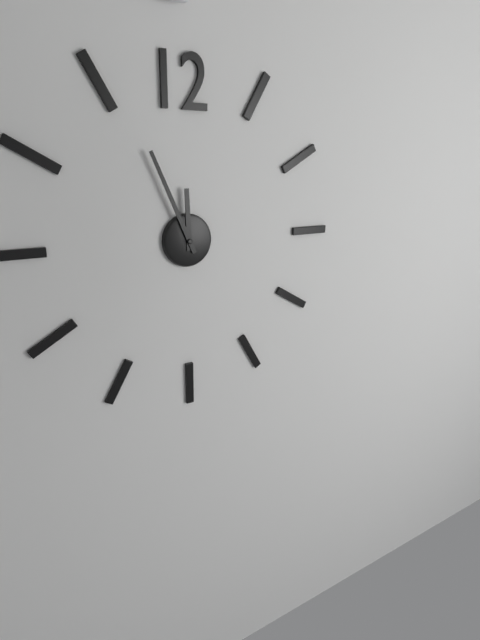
11:56
